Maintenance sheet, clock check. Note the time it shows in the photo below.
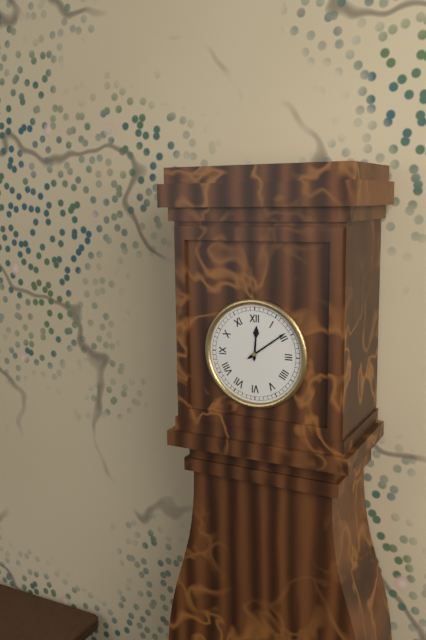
12:09
